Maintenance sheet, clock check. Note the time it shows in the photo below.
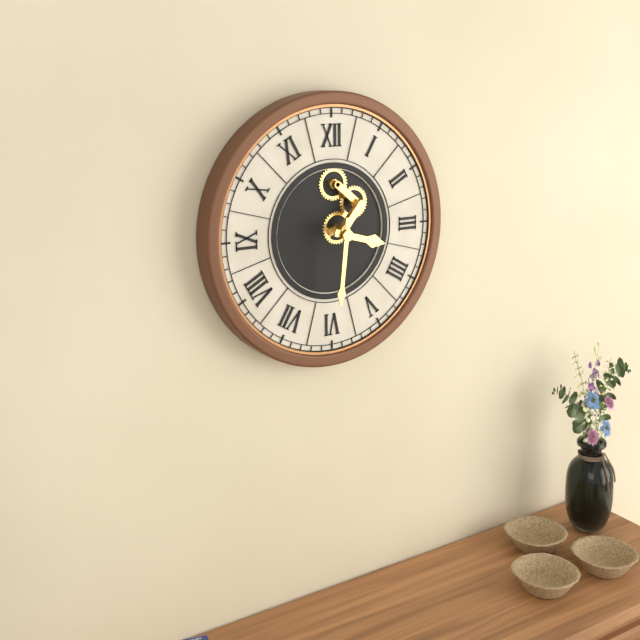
3:31
